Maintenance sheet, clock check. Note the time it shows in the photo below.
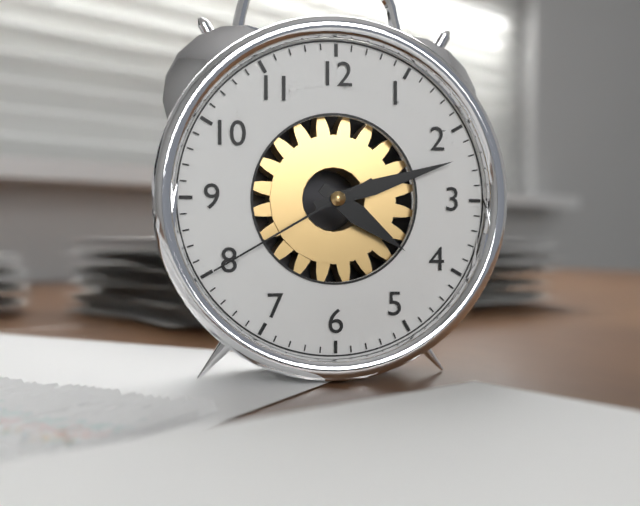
4:12:40
